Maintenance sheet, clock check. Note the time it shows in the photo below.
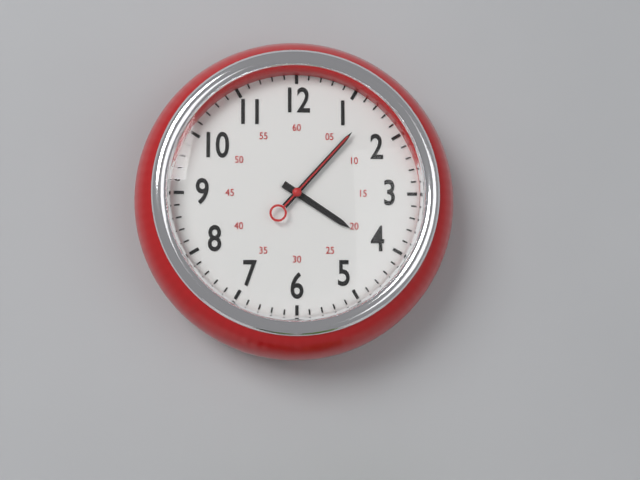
4:07:07
